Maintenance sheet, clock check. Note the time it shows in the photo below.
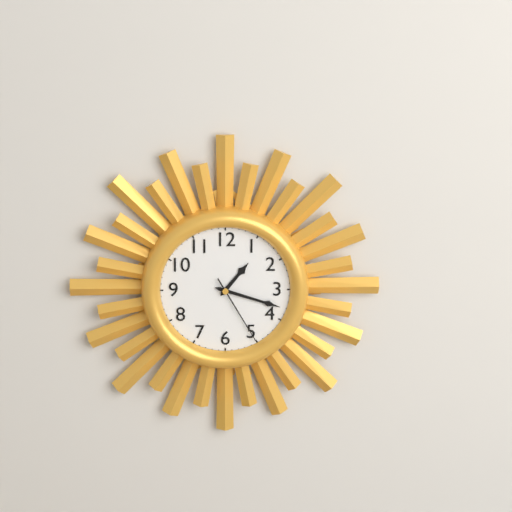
1:18:25
